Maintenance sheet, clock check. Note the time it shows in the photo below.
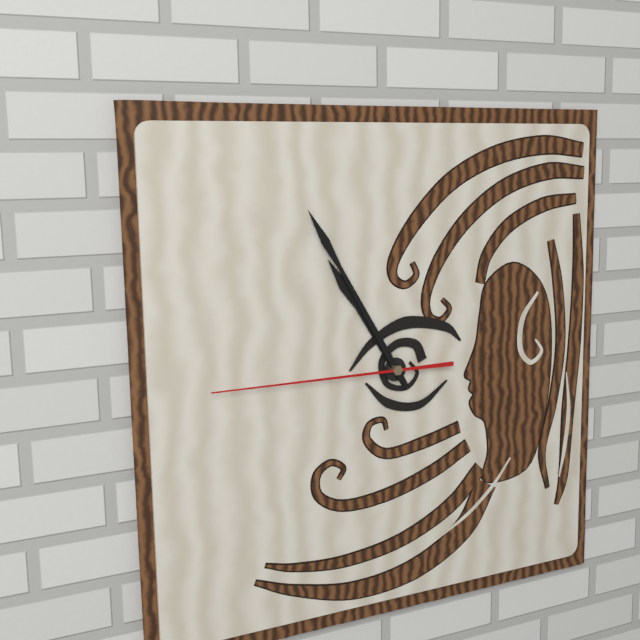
10:55:45
